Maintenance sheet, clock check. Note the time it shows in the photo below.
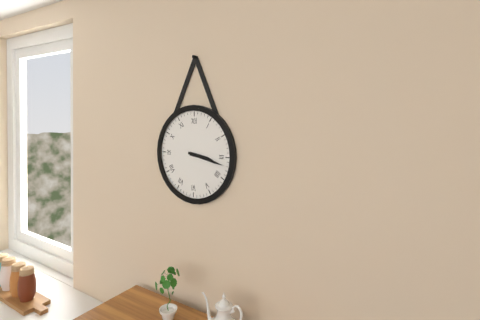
3:17
